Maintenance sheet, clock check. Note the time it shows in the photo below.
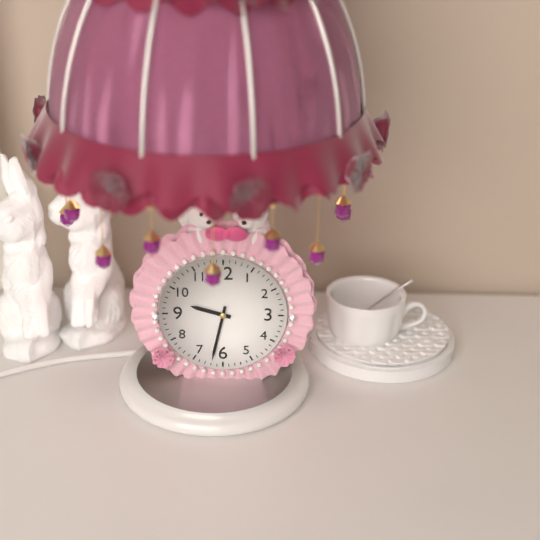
9:32
